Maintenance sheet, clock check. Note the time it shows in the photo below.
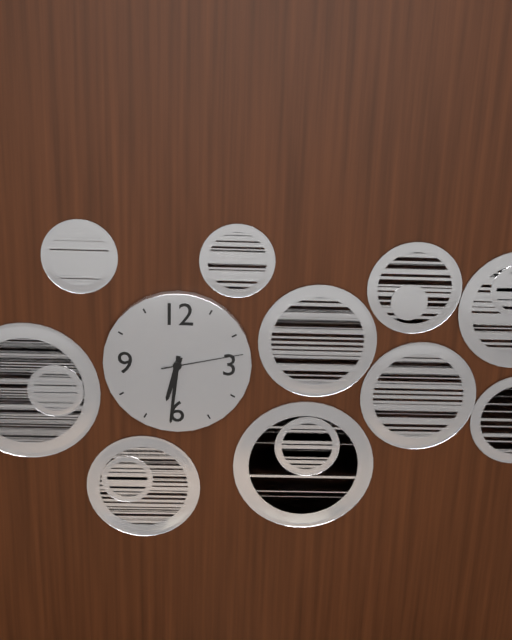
6:31:13
